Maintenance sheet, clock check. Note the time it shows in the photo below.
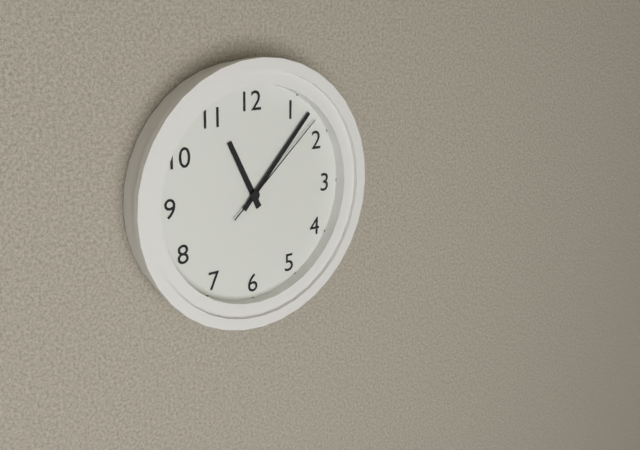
11:07:08
